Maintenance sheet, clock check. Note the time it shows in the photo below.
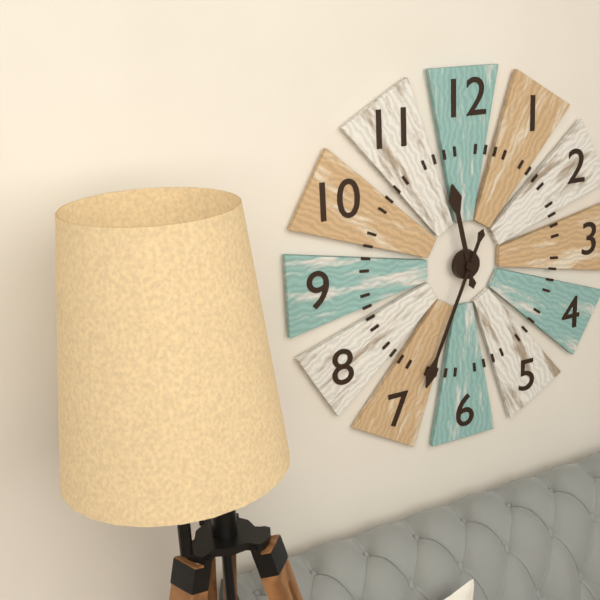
11:34
